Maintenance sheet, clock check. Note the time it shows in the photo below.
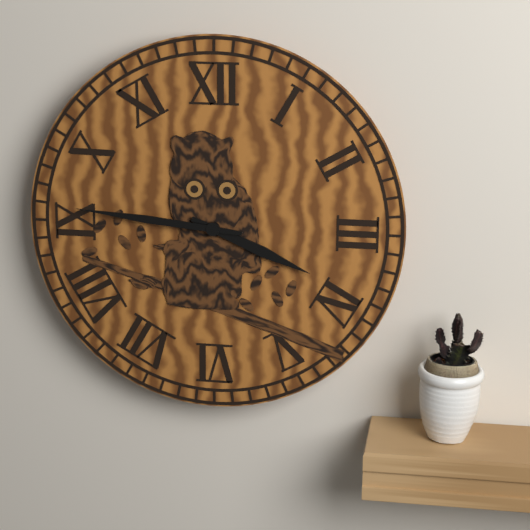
3:46
